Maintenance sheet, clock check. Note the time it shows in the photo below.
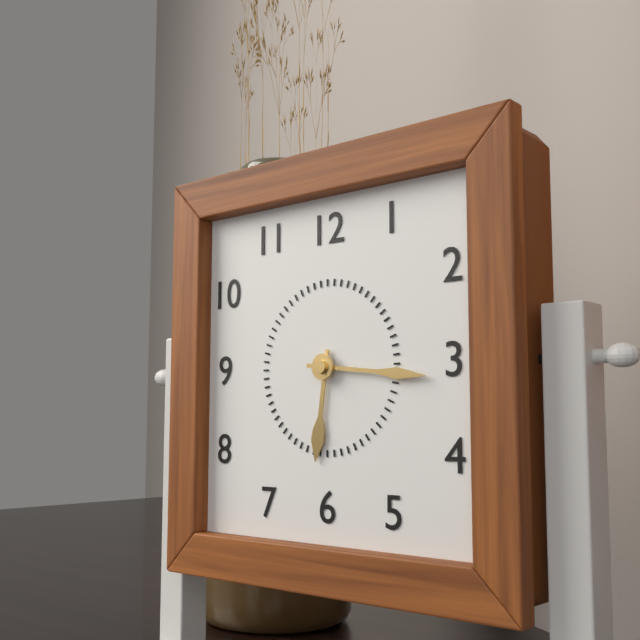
6:16
